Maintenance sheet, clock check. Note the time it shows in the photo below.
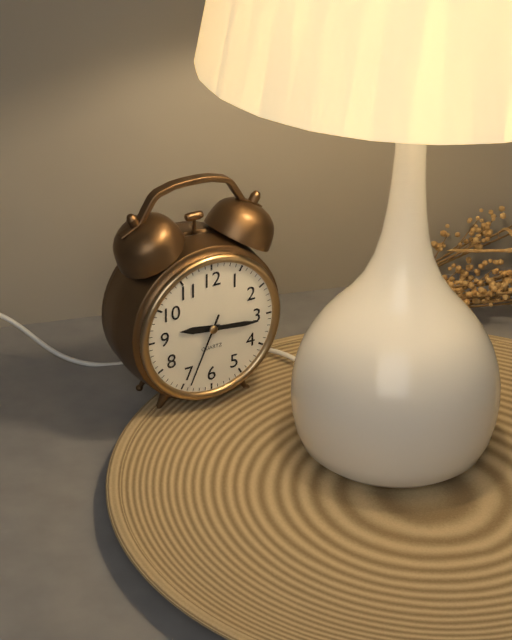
9:16:34
